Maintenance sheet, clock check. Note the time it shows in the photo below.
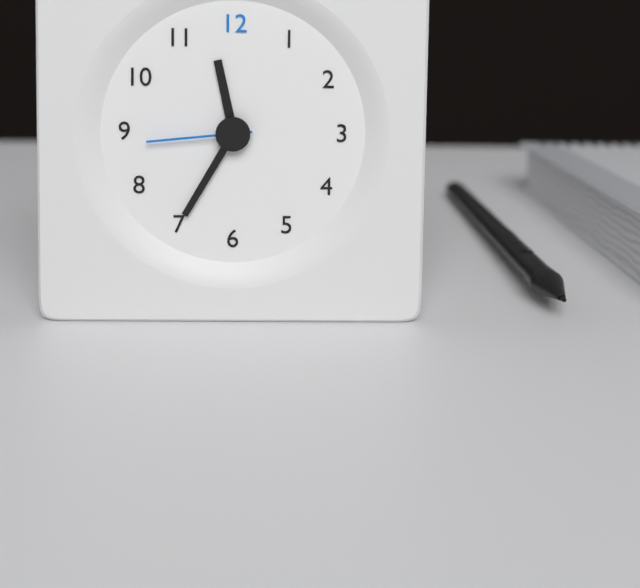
11:35:44
